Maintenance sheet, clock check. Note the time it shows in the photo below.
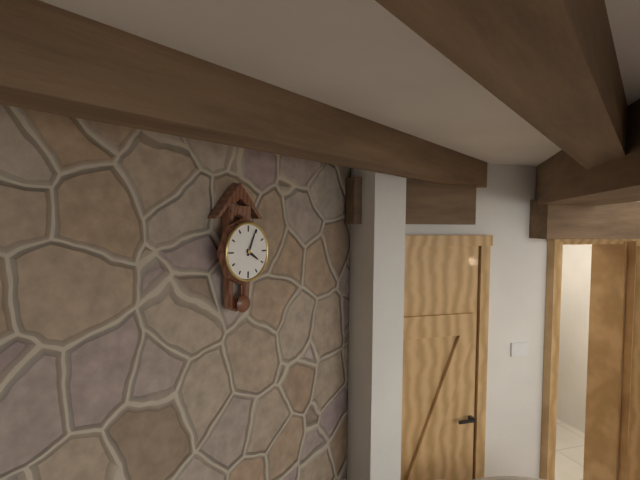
4:04
